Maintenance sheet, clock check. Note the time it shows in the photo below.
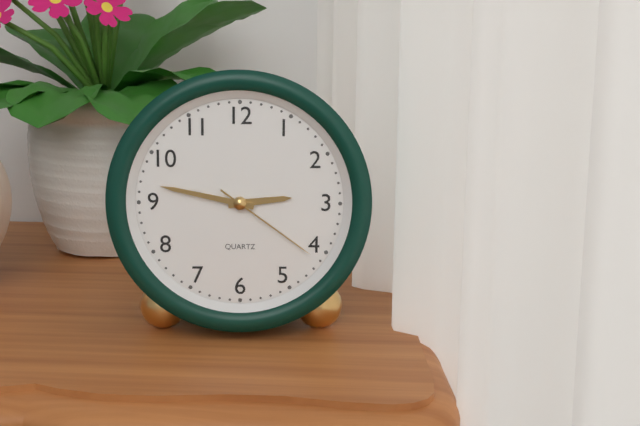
2:47:21
